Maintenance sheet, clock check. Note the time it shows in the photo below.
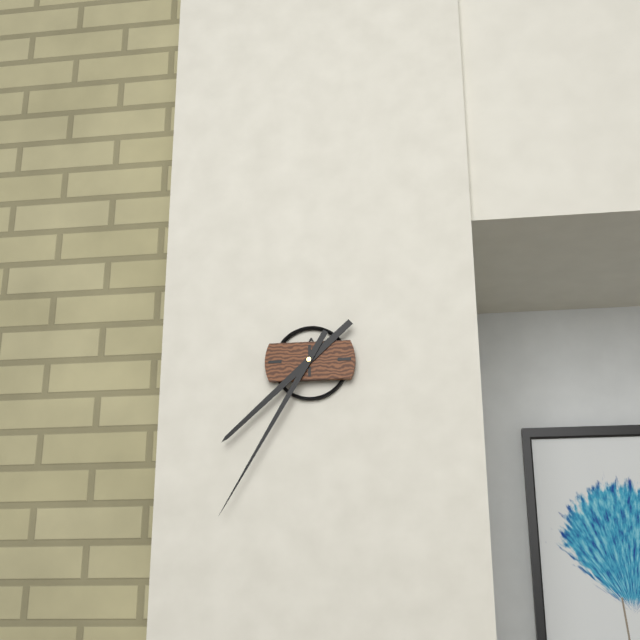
7:35
